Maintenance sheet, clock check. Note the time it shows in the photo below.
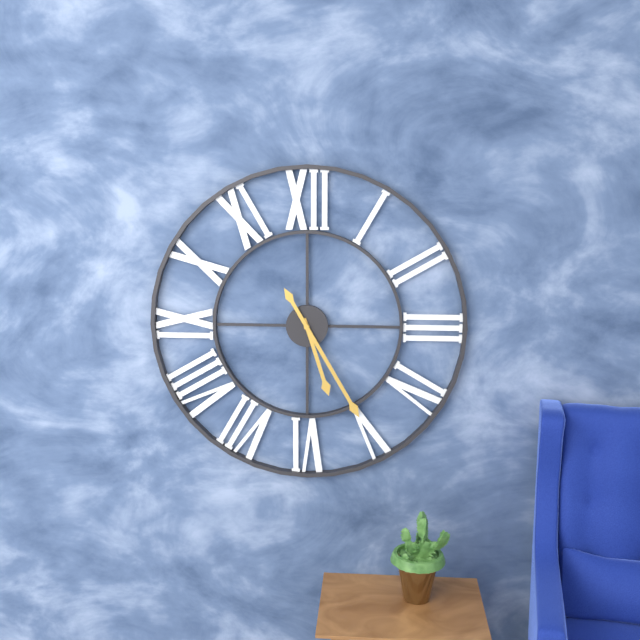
5:25
